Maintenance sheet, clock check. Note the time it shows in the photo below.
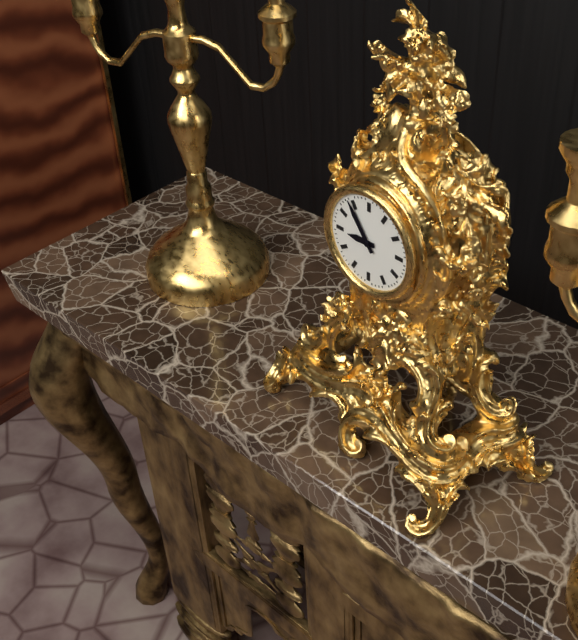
8:54
